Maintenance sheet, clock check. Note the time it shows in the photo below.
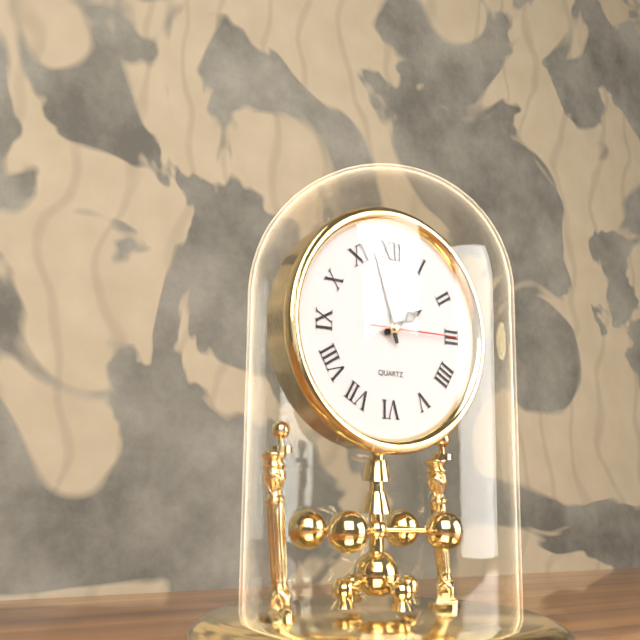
1:57:15
